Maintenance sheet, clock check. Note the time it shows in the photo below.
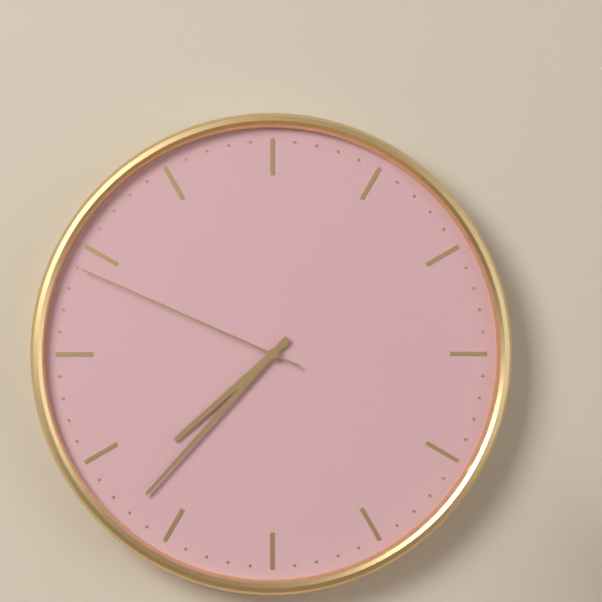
7:37:49
